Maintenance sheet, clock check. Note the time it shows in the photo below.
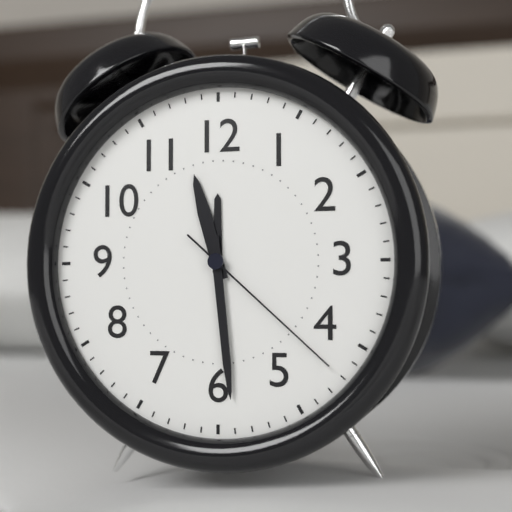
11:29:22
